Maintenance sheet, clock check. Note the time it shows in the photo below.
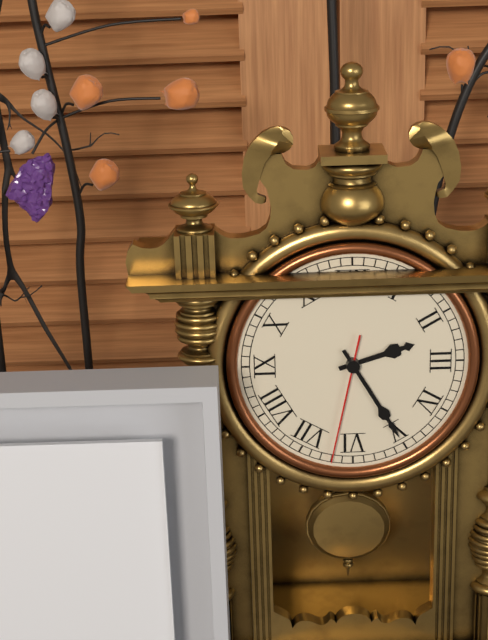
2:25:32
